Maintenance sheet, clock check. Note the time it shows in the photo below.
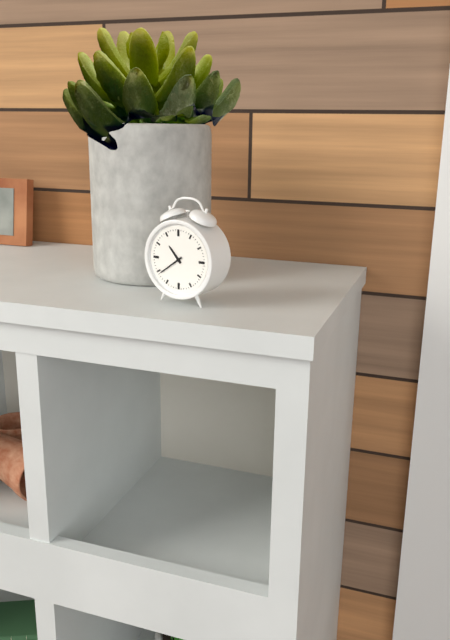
10:39
